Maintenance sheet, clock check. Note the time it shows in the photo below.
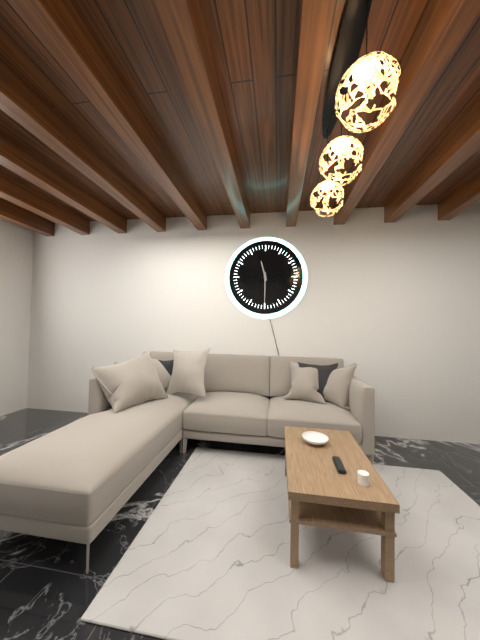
11:30
